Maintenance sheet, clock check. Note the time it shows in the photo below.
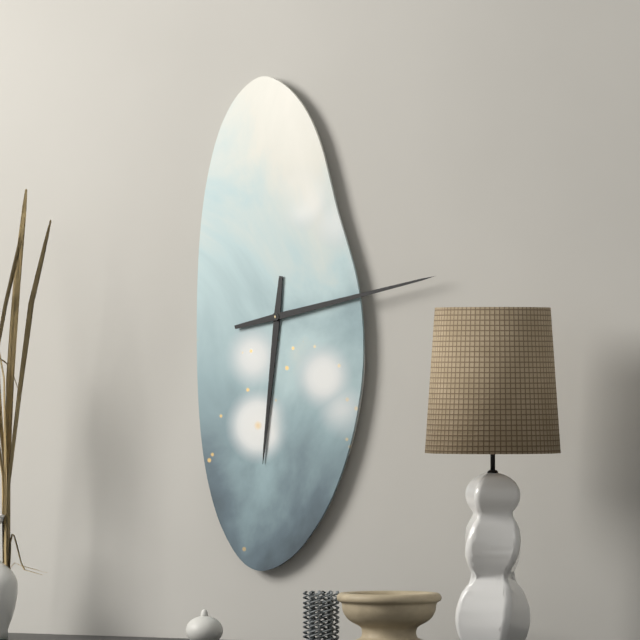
6:13
